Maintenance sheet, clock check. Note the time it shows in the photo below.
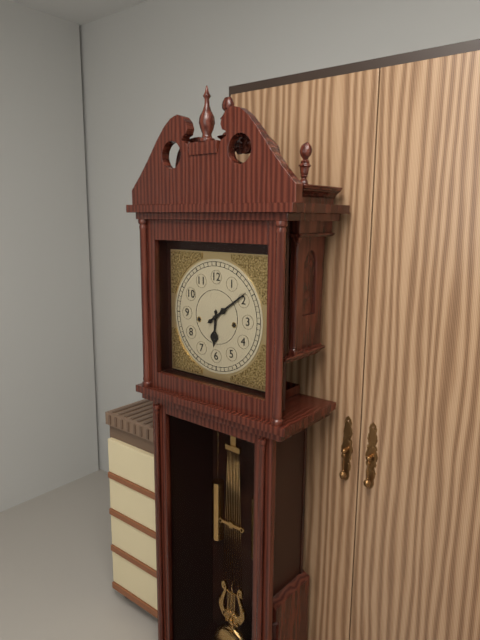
6:09
